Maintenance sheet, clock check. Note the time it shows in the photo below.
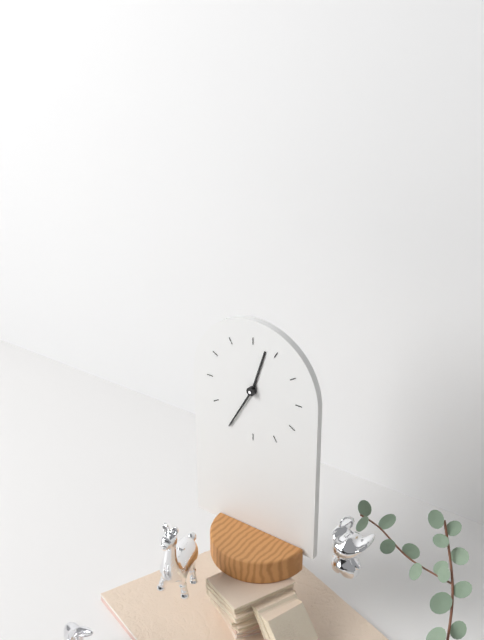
12:35
